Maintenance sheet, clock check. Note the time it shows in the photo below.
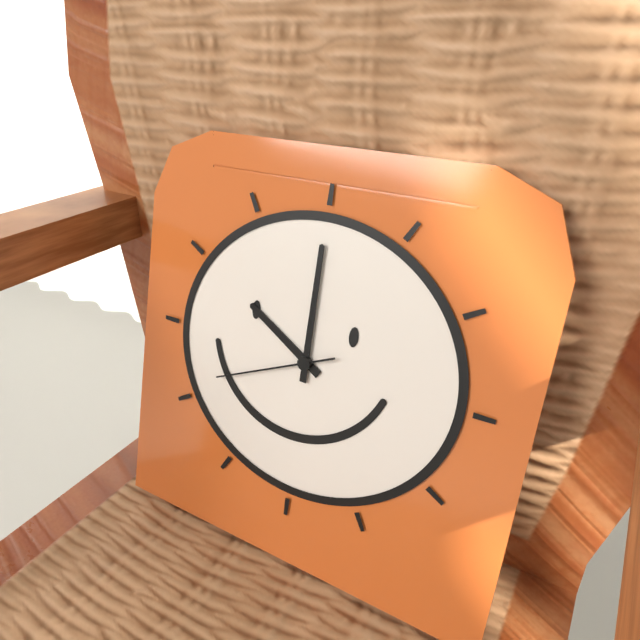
10:00:41
